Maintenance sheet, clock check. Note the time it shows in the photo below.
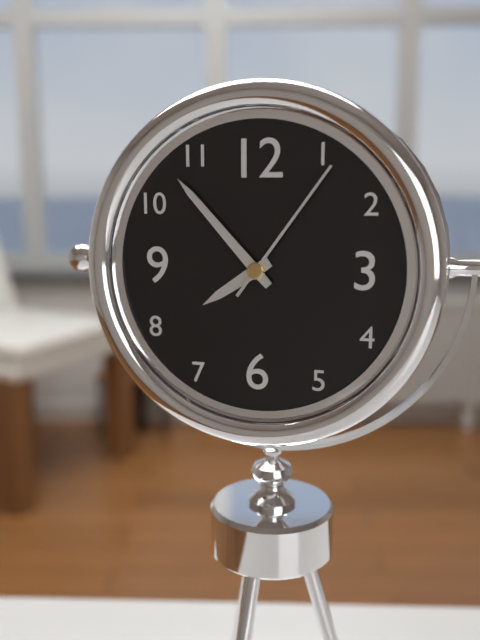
7:53:06
